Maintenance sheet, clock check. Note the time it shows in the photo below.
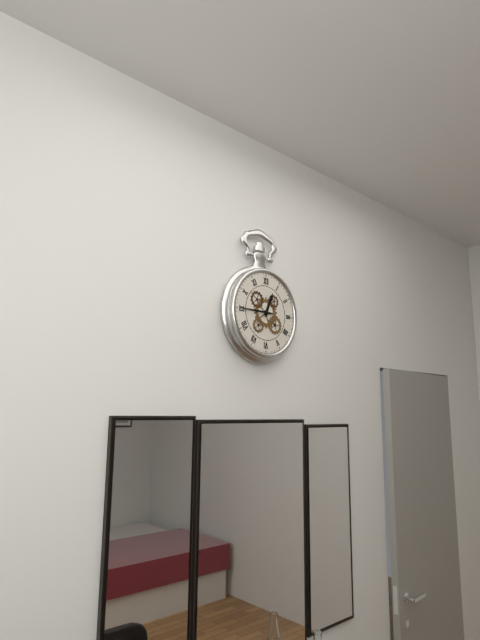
12:45
